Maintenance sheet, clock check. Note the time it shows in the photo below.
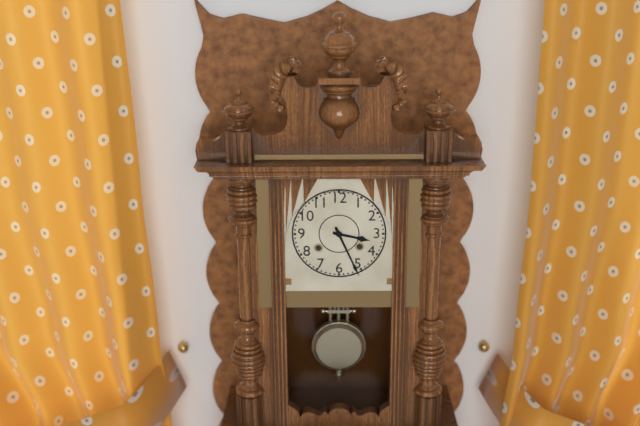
3:26
